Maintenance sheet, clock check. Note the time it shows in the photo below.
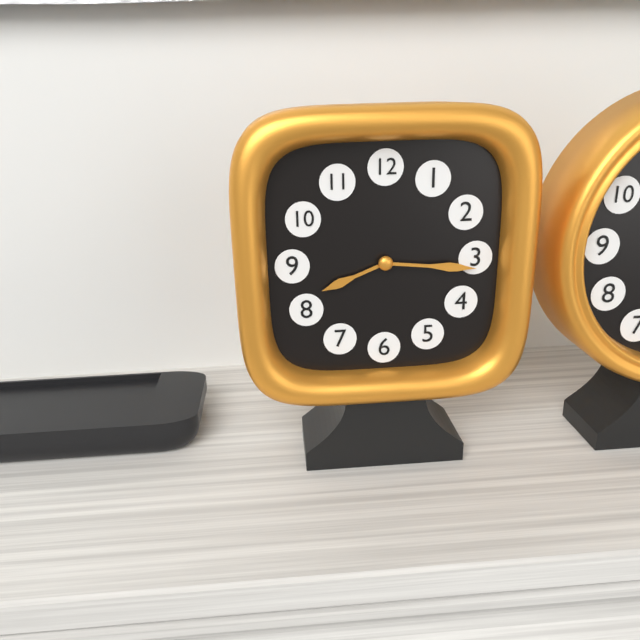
8:16
